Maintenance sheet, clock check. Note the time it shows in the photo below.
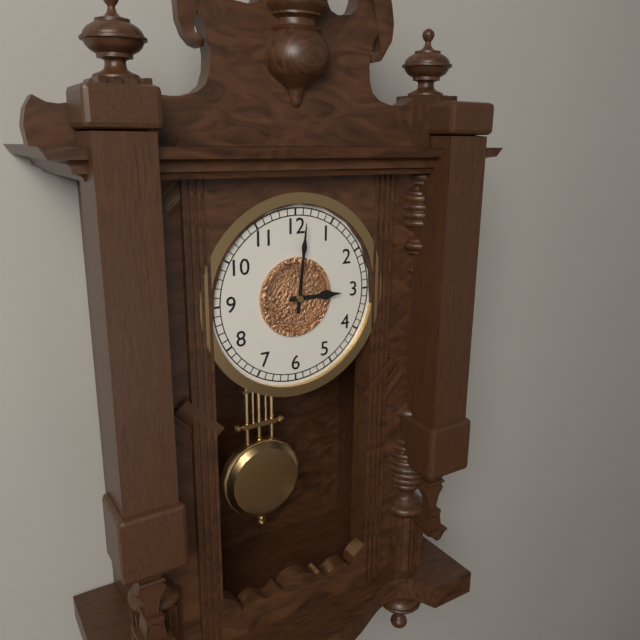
3:01
